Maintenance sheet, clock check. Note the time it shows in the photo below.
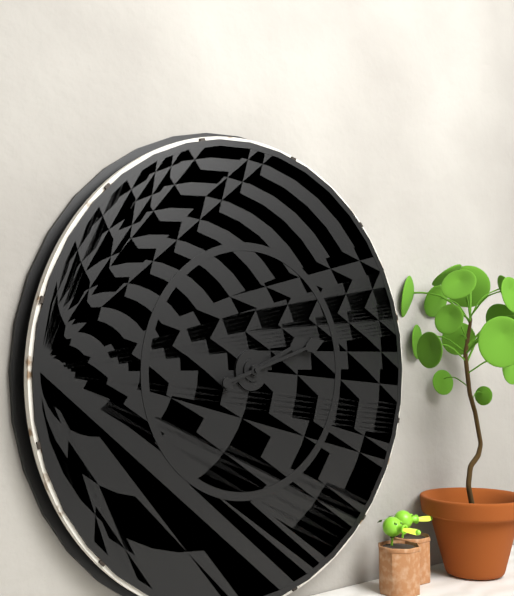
2:12
